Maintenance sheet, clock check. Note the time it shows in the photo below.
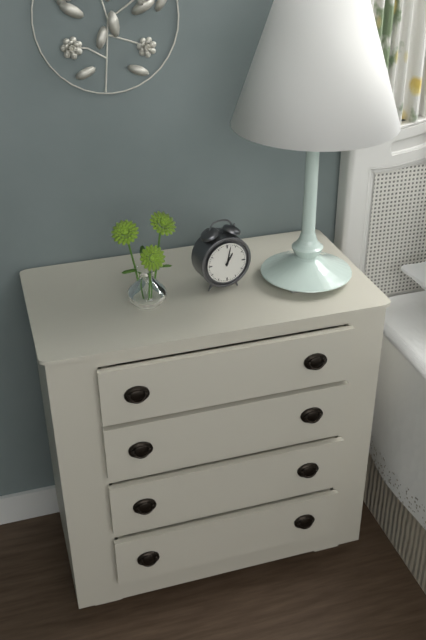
1:02
